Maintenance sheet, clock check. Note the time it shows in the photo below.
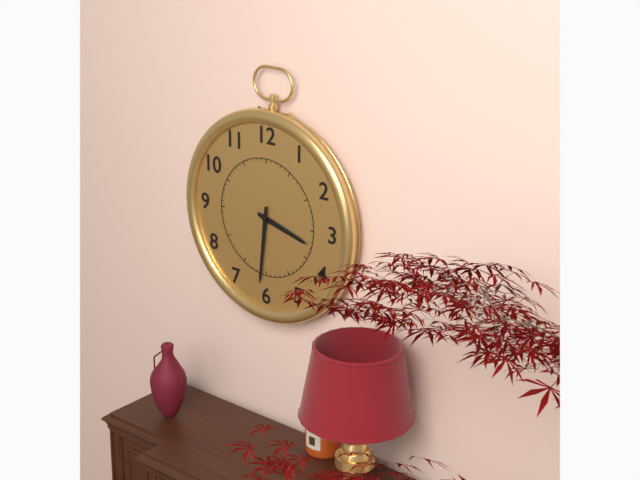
3:31
